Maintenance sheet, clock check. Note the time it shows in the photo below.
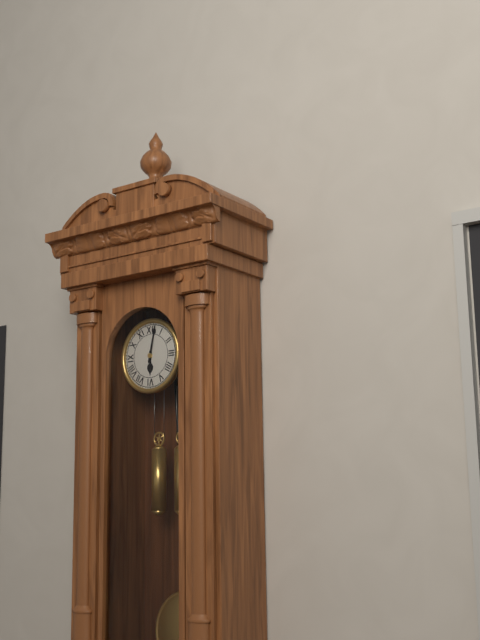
6:02
